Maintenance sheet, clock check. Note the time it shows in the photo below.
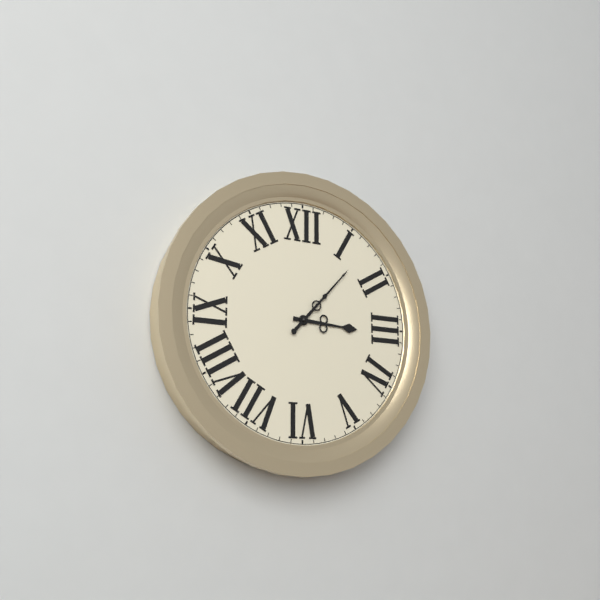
3:07
